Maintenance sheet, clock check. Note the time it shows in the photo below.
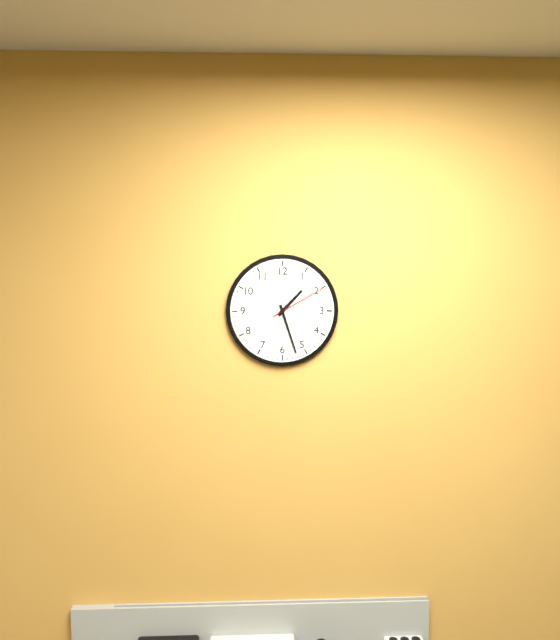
1:27:10
